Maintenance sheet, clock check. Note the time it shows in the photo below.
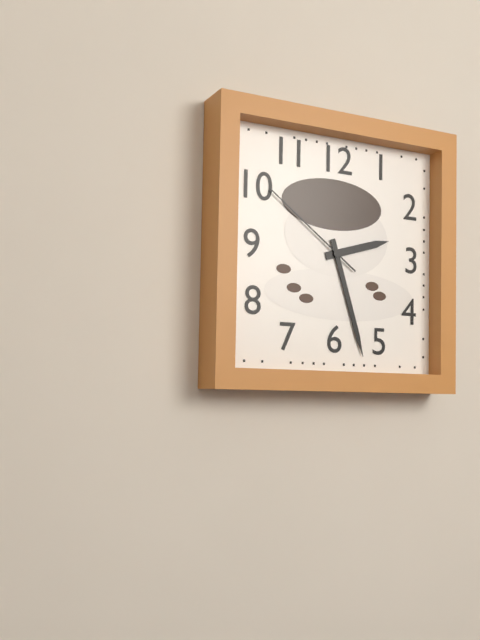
2:27:51
